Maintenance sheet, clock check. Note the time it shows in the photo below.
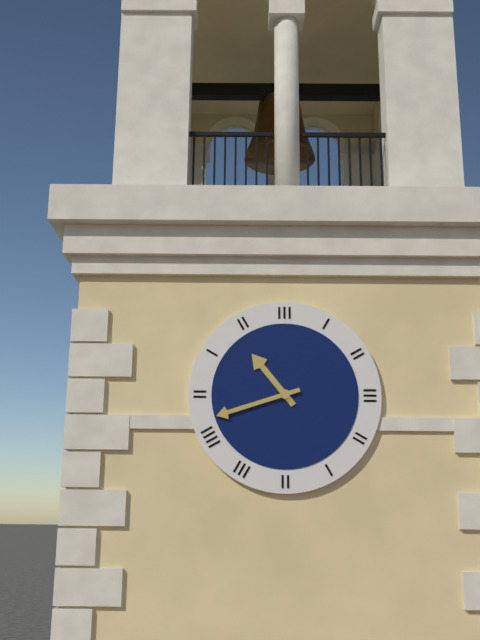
10:42
